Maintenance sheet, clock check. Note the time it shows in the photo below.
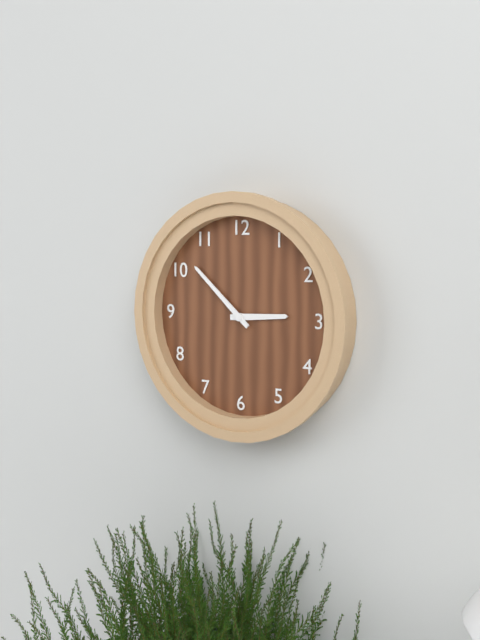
2:52
